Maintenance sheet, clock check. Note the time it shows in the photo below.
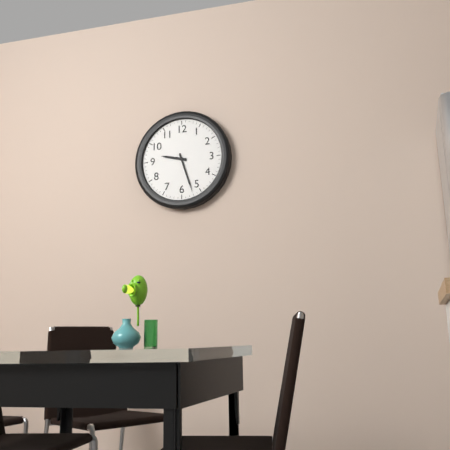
9:27
